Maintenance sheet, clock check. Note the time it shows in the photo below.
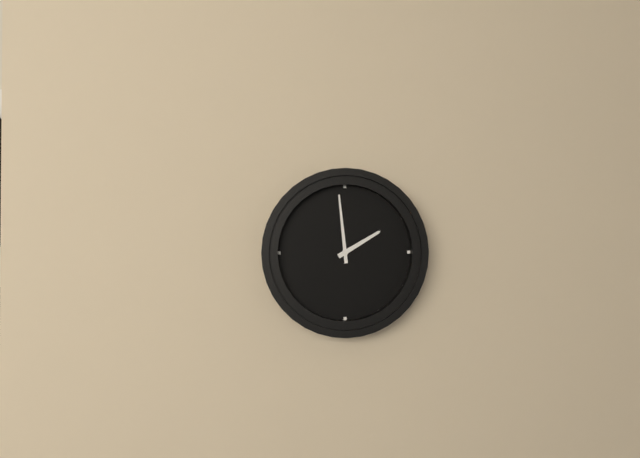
1:59
